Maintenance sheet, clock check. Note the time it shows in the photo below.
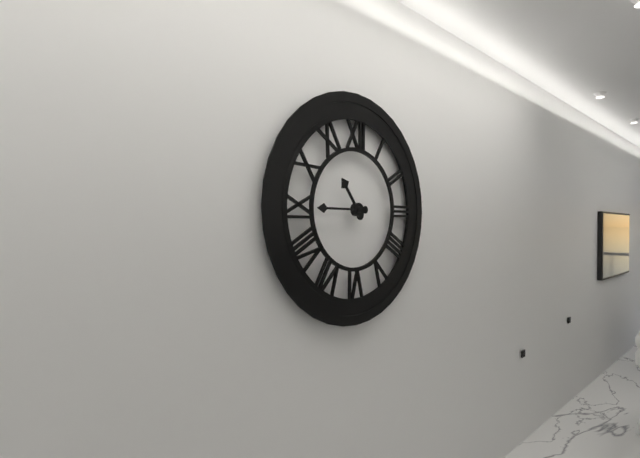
10:45
